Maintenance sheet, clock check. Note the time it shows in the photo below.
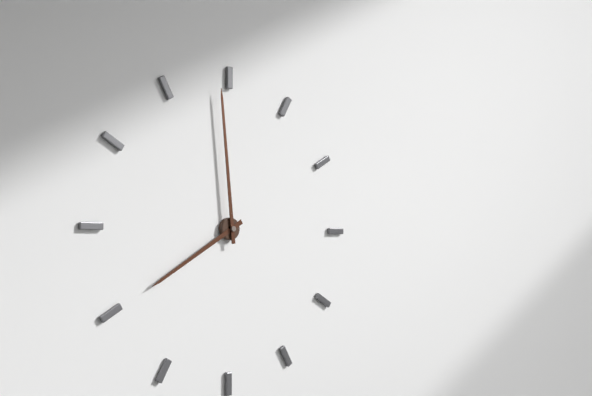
7:59
